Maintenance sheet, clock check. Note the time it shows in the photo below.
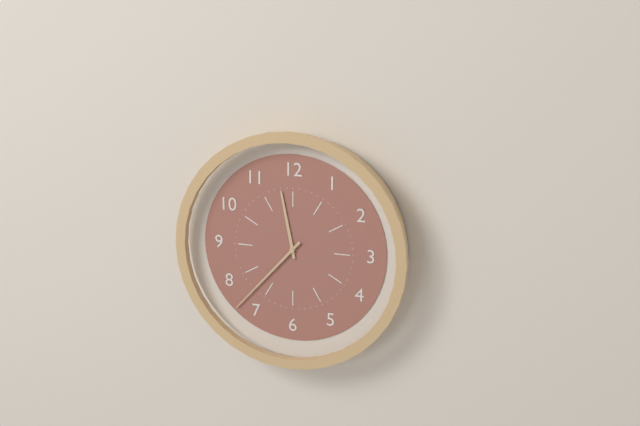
11:37
